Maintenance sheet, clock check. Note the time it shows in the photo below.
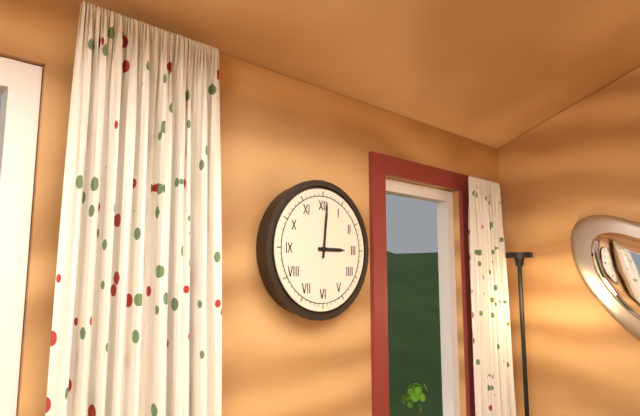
3:01
